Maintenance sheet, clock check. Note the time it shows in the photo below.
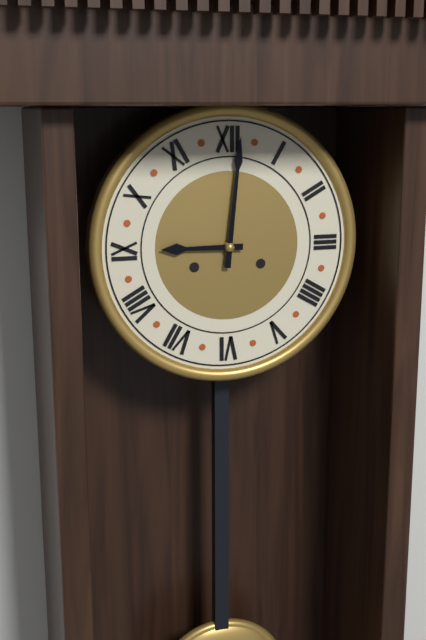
9:01
